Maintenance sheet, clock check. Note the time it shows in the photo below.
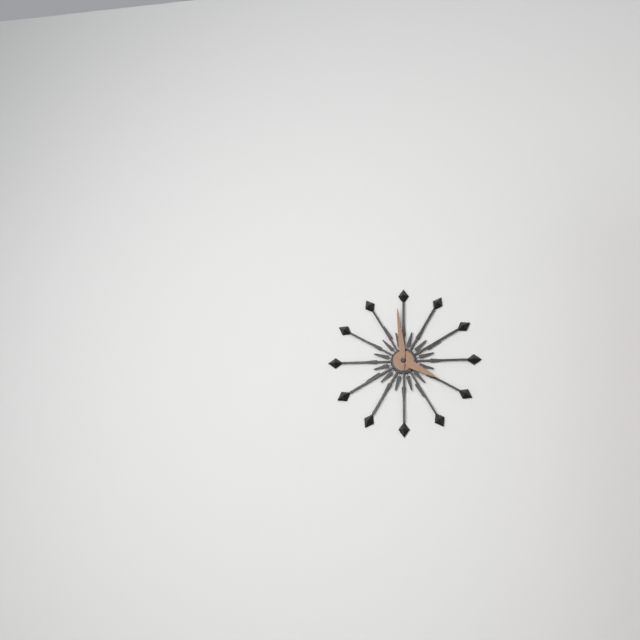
3:59
